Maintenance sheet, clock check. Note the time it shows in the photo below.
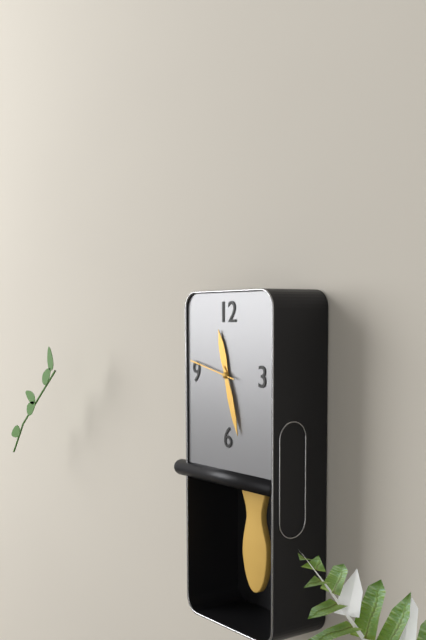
11:27:47
